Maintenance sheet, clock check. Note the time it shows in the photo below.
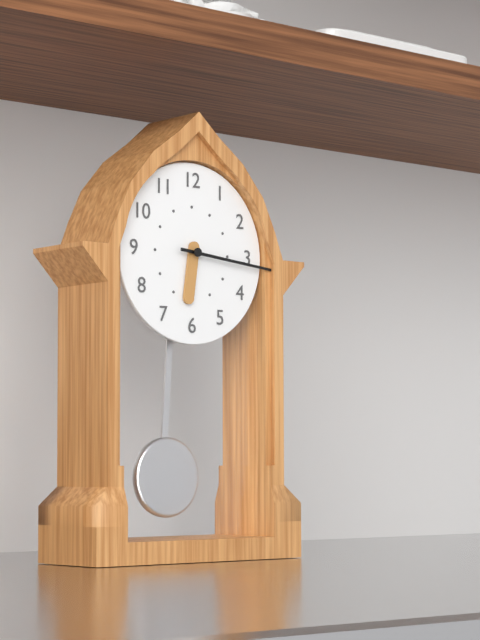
6:16
